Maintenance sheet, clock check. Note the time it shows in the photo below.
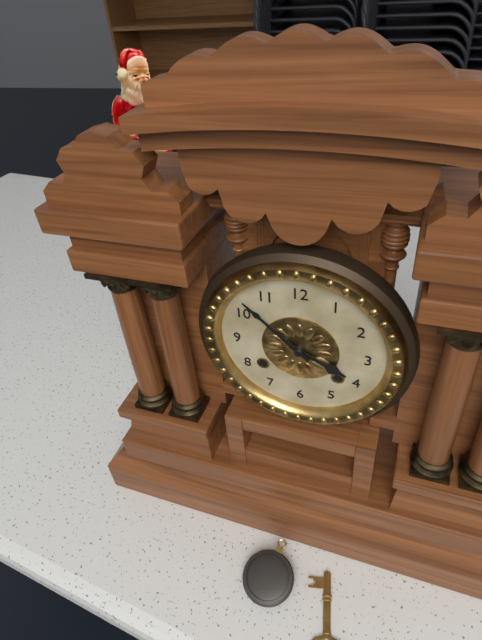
3:52
